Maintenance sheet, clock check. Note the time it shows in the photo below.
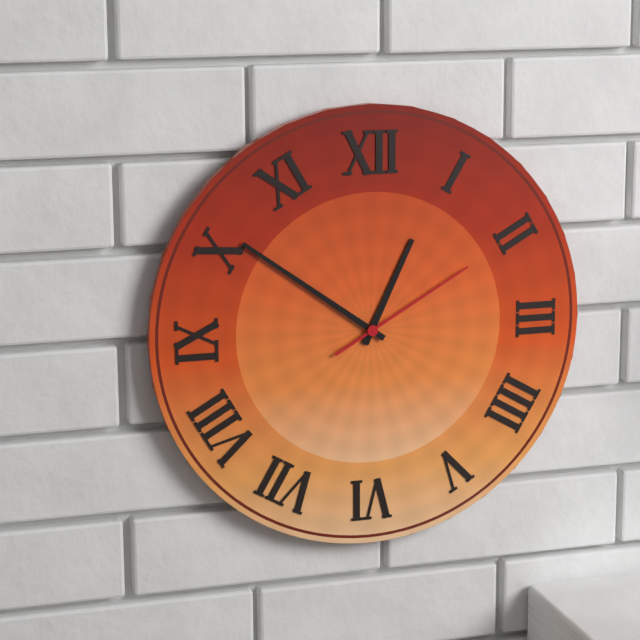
12:51:10
